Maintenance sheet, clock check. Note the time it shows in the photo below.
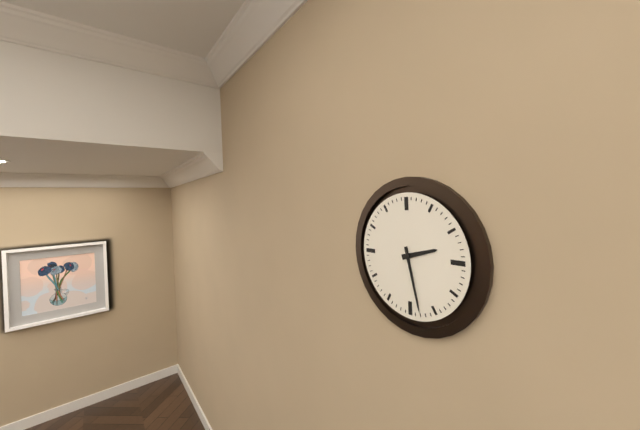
2:28
